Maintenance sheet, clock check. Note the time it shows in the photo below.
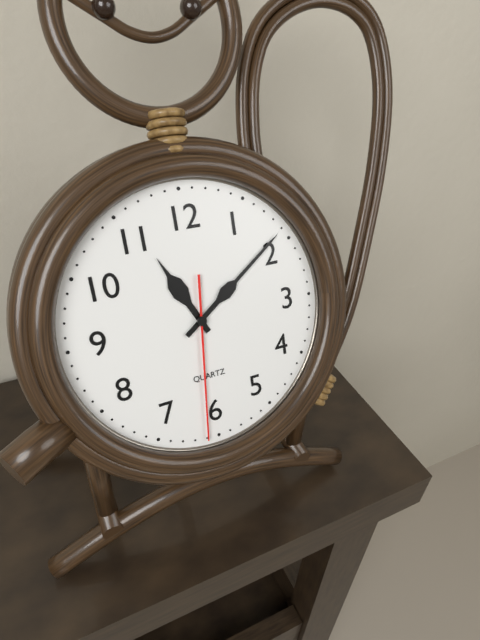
11:09:31
